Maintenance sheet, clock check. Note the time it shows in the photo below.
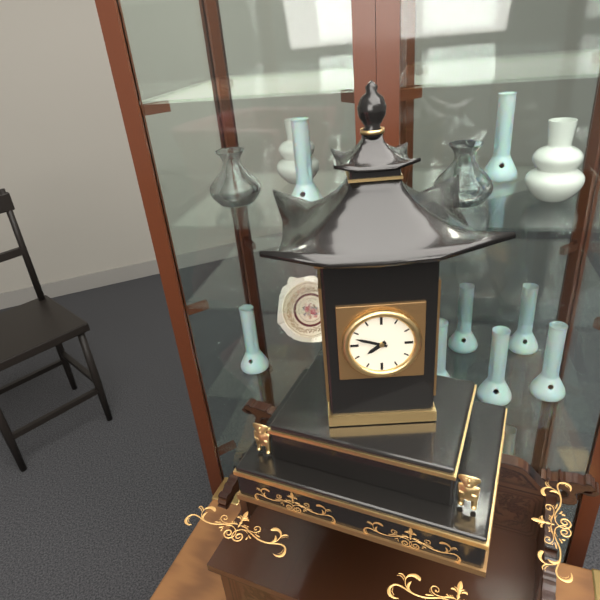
7:48
